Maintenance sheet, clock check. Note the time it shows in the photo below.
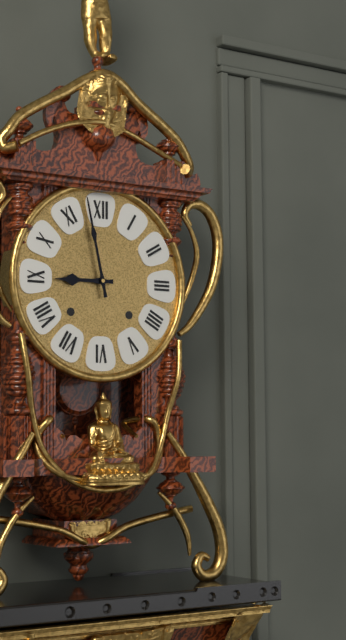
8:58
